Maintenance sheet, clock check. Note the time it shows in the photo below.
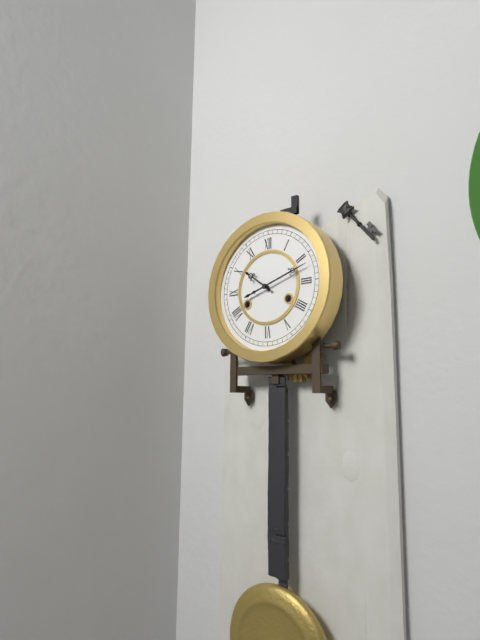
10:12
